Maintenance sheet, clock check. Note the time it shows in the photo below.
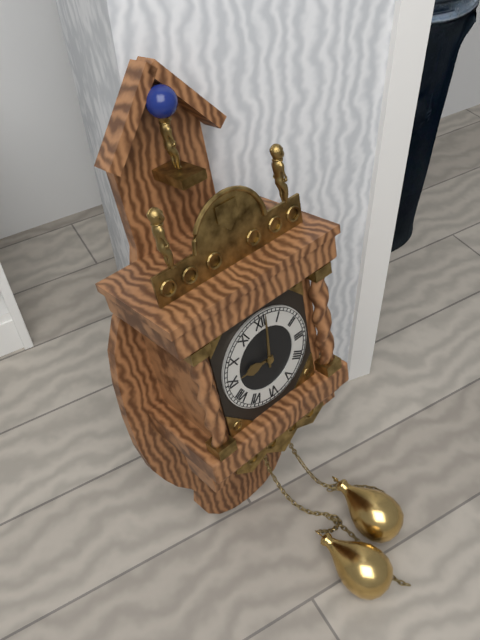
9:01
